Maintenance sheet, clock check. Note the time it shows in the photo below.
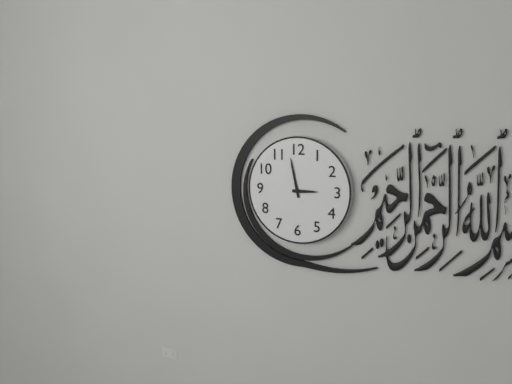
2:58
